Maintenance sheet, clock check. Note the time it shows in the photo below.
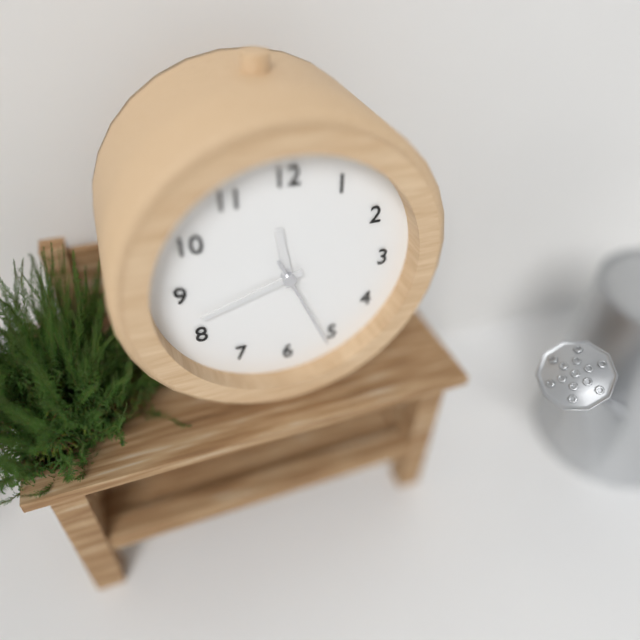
11:42:26
